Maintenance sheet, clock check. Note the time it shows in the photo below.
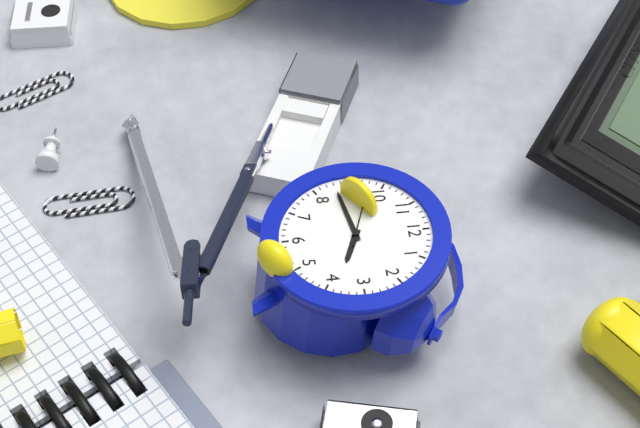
3:43:48
